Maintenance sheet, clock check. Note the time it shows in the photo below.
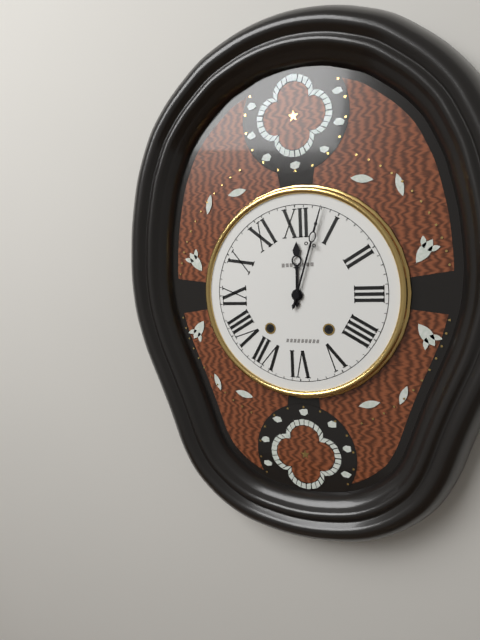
12:03
